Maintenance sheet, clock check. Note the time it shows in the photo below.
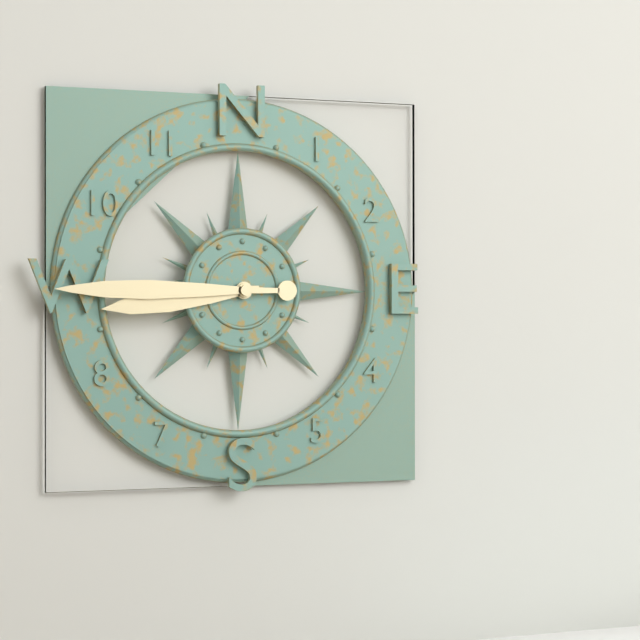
8:45
